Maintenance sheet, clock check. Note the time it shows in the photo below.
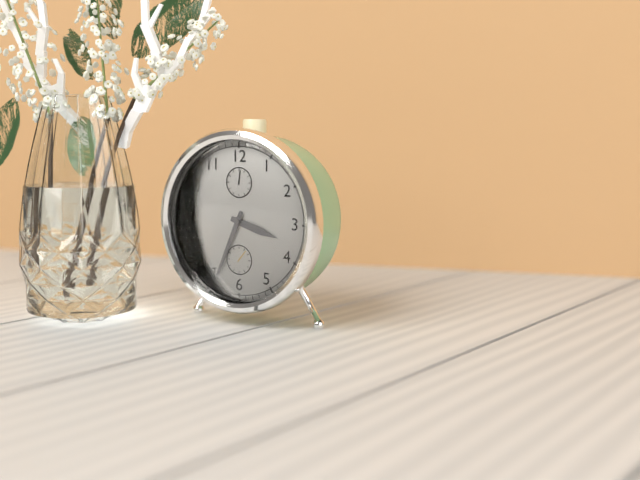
3:34
